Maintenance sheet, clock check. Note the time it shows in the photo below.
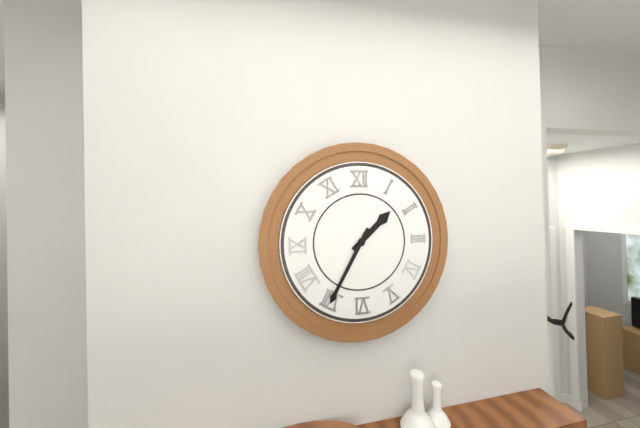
1:35
